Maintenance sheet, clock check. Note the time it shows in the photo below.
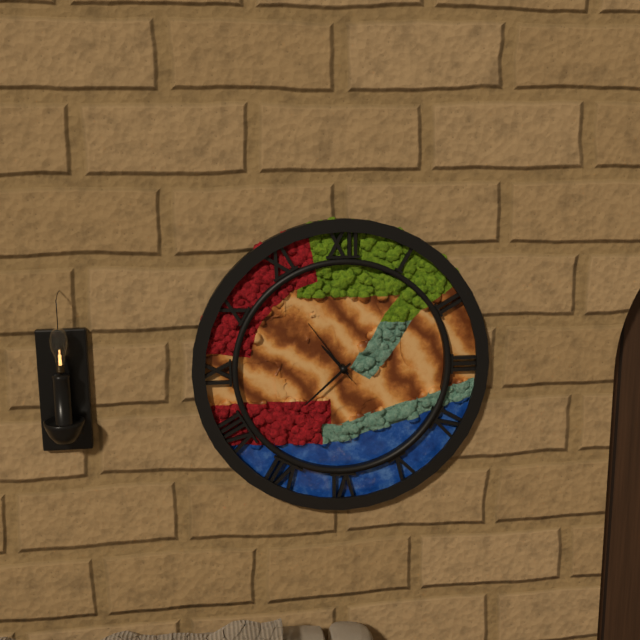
10:38:54
